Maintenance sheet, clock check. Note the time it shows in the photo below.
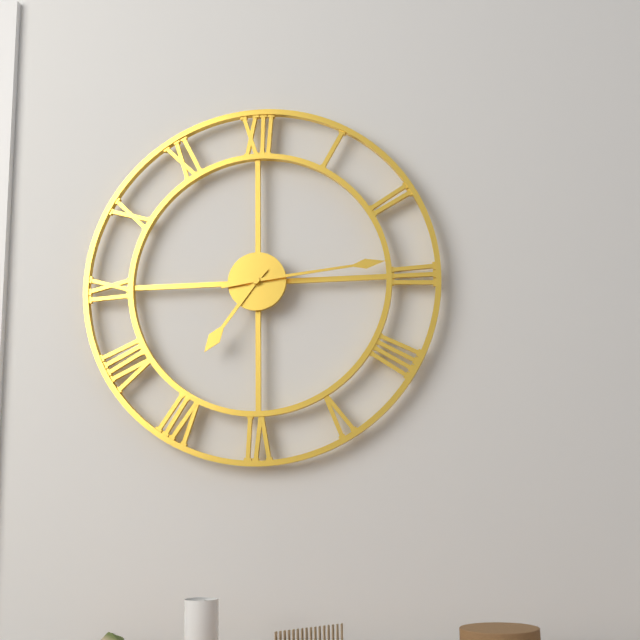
7:14
